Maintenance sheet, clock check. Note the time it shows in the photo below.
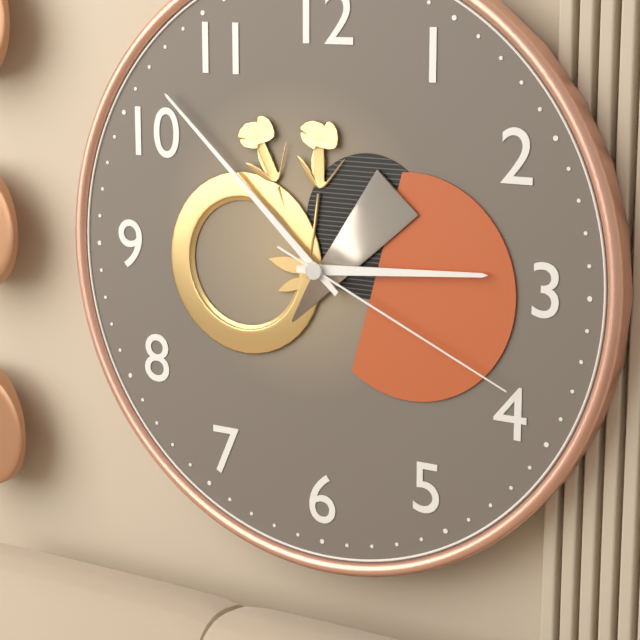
2:52:19
